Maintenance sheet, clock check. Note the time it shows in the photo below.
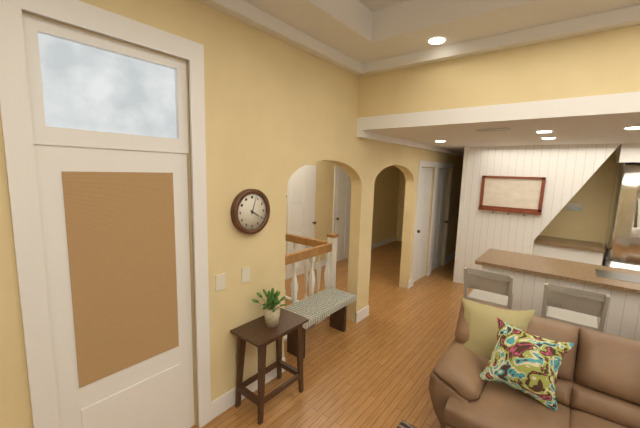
4:03
